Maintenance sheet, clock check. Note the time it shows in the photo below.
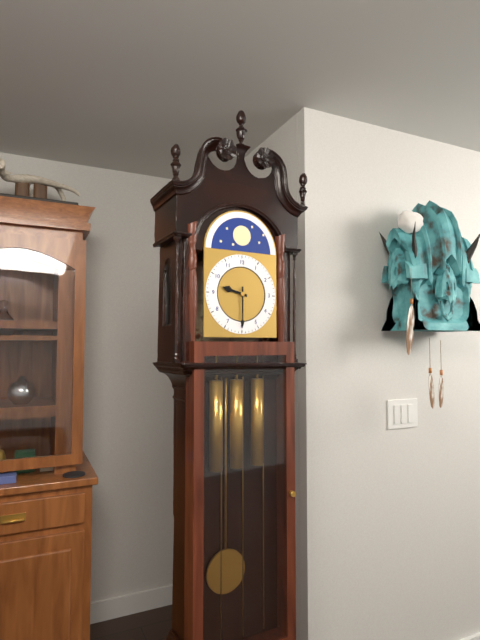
9:30
